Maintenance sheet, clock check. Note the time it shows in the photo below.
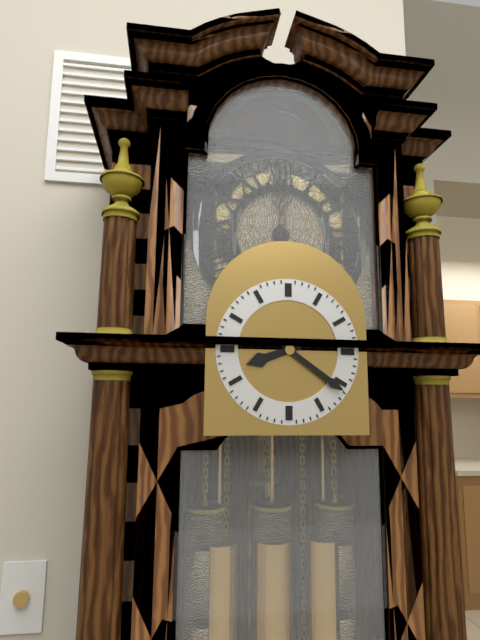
8:21
